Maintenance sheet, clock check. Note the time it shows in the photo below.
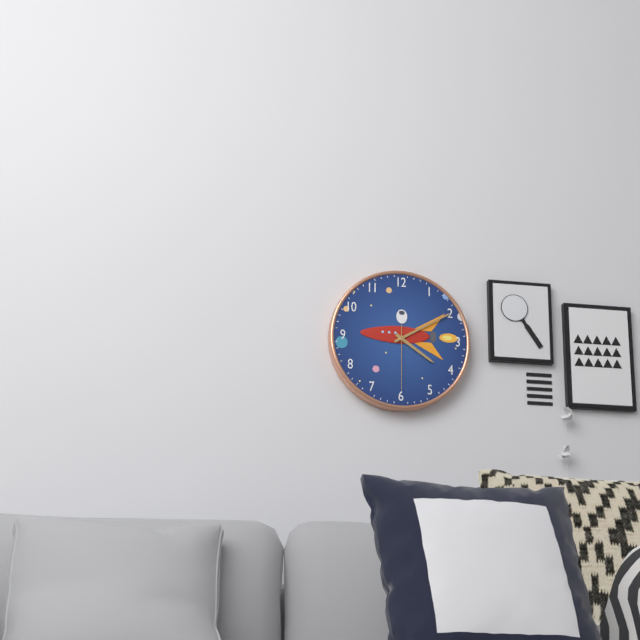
4:10:30
